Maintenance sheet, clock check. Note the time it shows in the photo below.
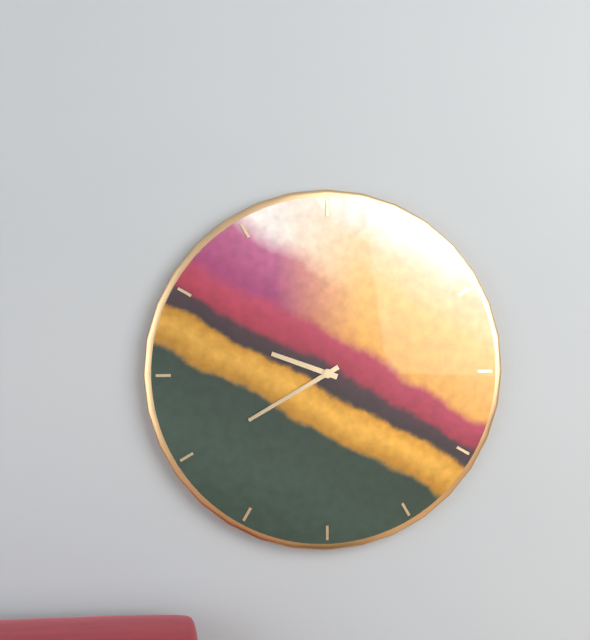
9:40
